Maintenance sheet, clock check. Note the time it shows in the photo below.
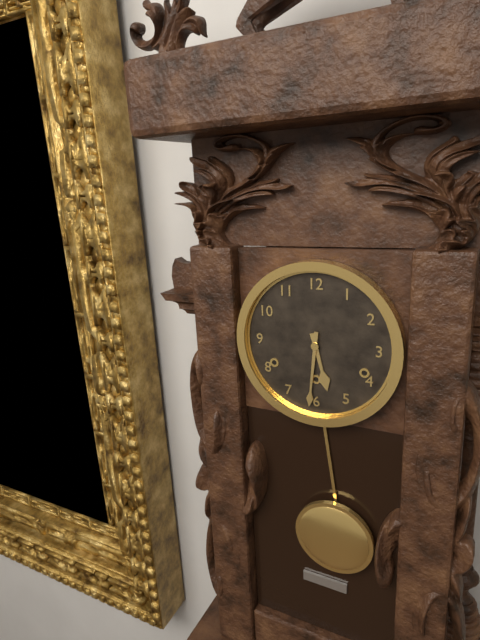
5:31
